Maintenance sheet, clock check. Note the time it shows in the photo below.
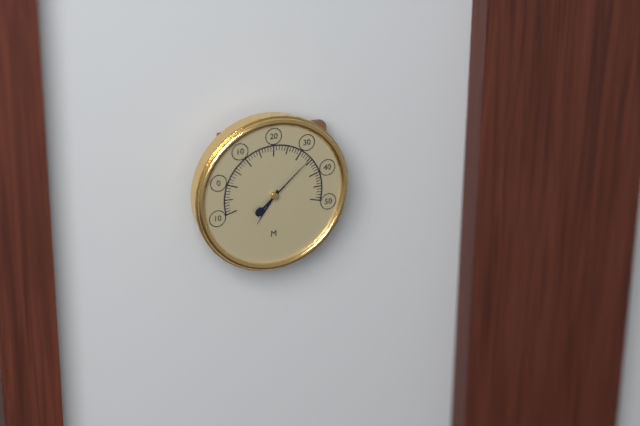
7:08
